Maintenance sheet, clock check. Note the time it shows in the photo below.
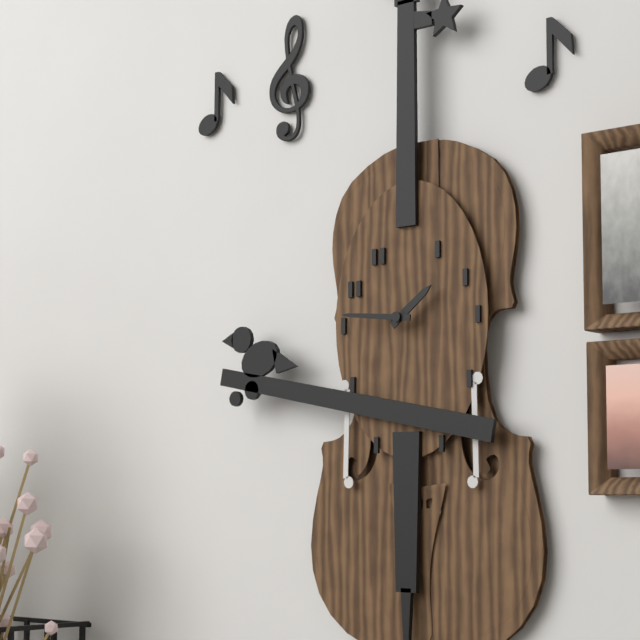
1:46
